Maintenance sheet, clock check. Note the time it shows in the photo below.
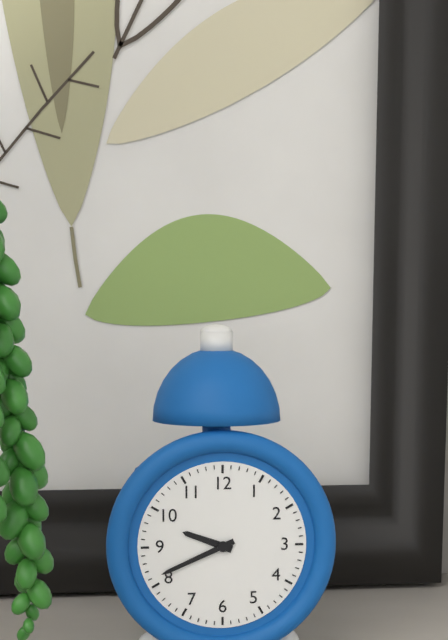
9:41
